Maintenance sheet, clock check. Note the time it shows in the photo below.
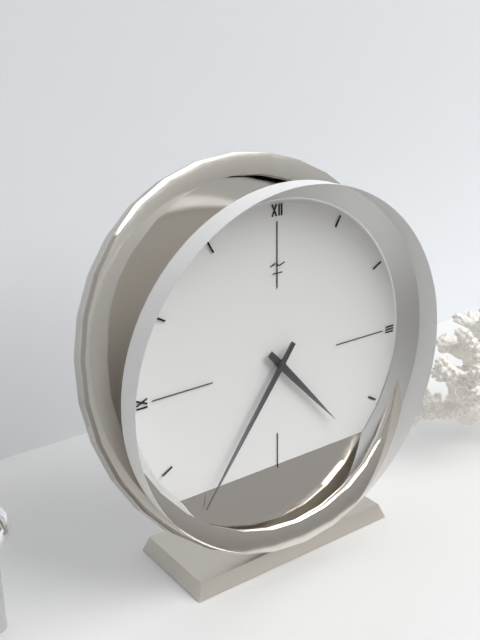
4:36
